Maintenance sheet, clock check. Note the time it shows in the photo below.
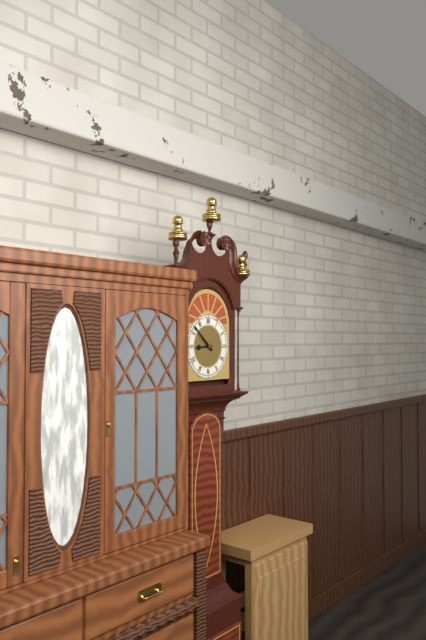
8:52
